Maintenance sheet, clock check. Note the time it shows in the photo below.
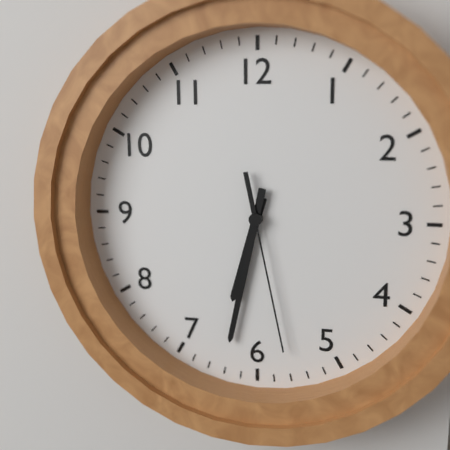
6:32:28
